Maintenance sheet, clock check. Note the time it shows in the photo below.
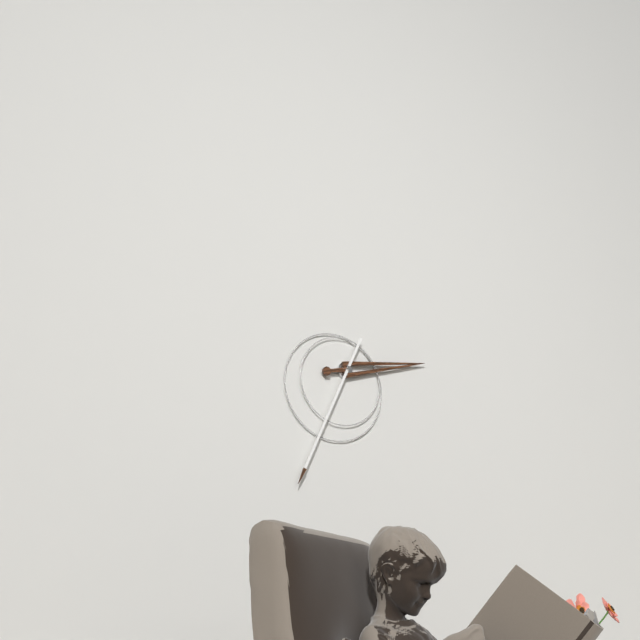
2:34
